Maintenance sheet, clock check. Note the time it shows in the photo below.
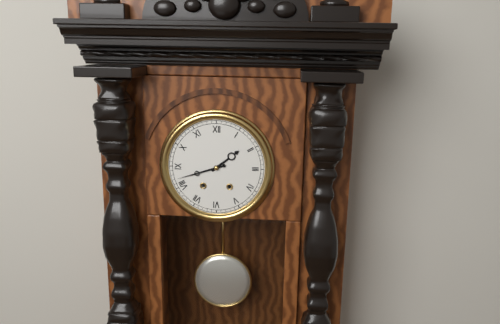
1:42
